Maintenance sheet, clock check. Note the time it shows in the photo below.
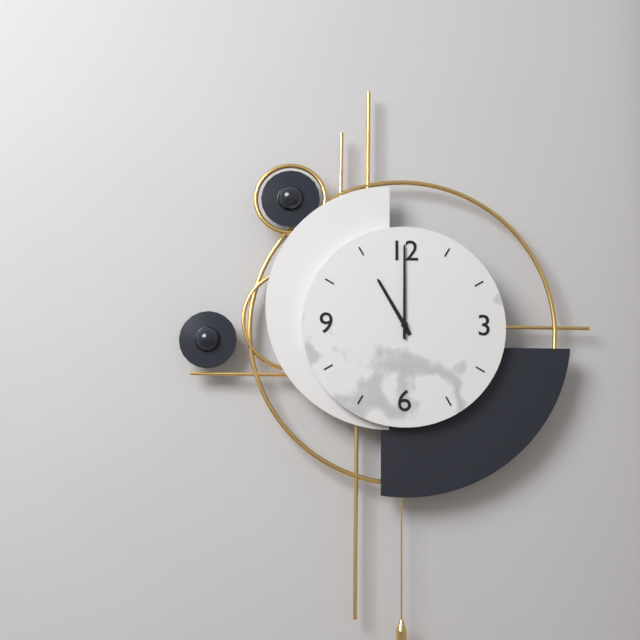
11:00
